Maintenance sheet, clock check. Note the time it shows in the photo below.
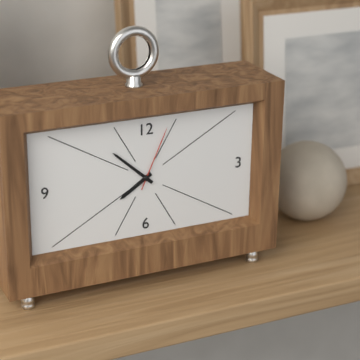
7:52:04
